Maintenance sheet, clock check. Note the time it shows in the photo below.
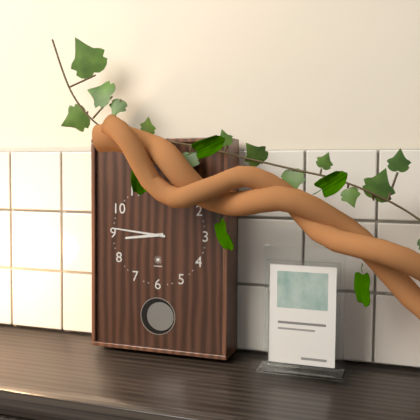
8:46
